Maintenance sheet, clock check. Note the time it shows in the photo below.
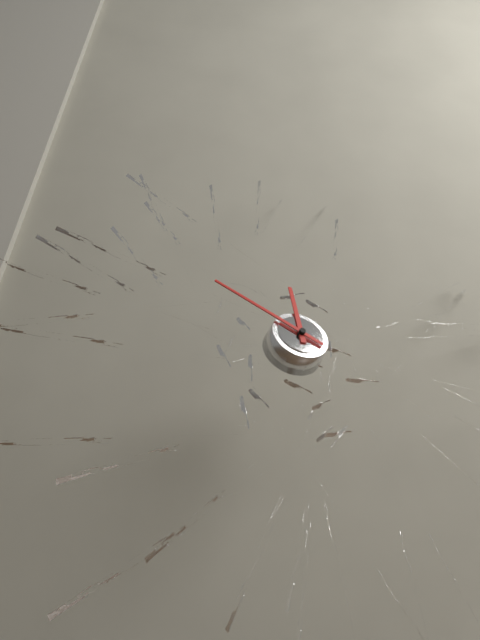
11:50
